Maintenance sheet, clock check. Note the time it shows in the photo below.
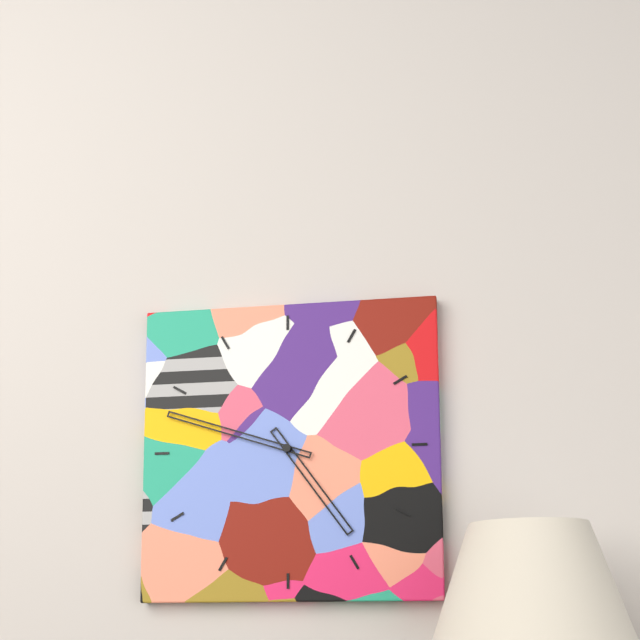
4:48
